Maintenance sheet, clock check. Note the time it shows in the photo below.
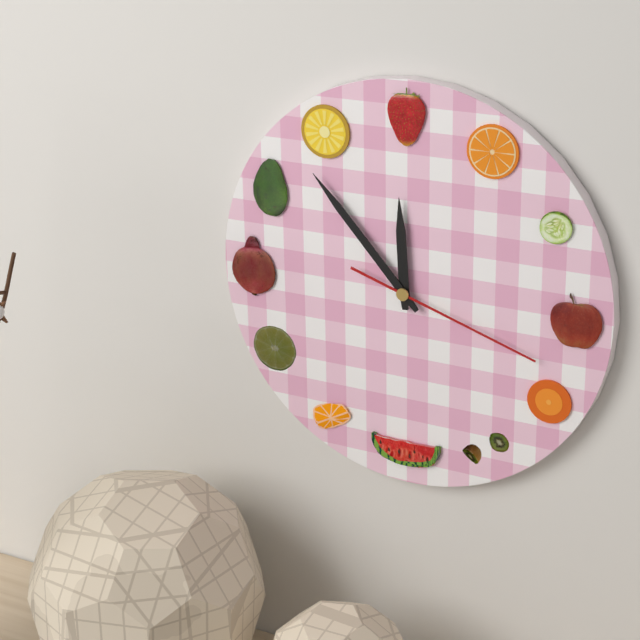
11:53:18
